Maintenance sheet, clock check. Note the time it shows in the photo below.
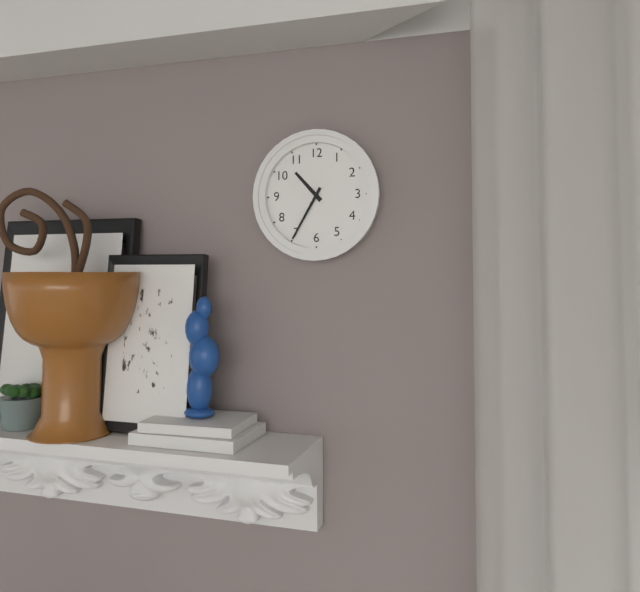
10:35
